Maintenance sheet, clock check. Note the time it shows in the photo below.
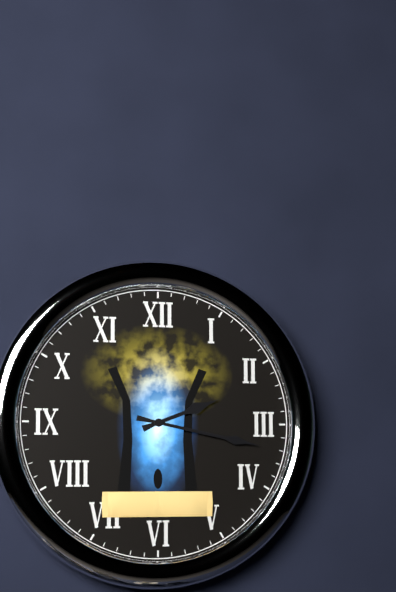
2:17
